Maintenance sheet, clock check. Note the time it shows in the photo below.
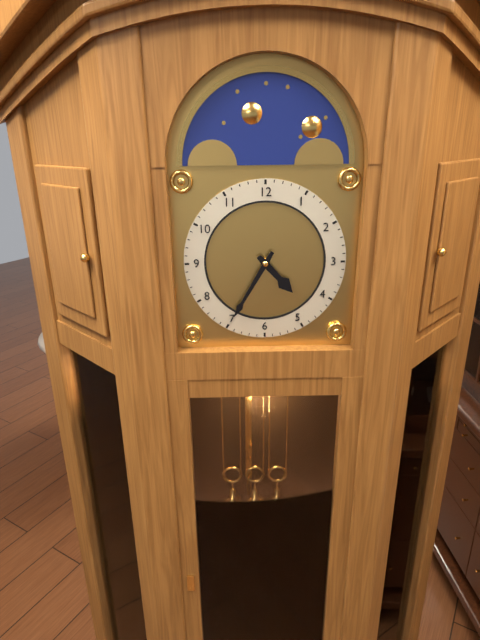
4:35
